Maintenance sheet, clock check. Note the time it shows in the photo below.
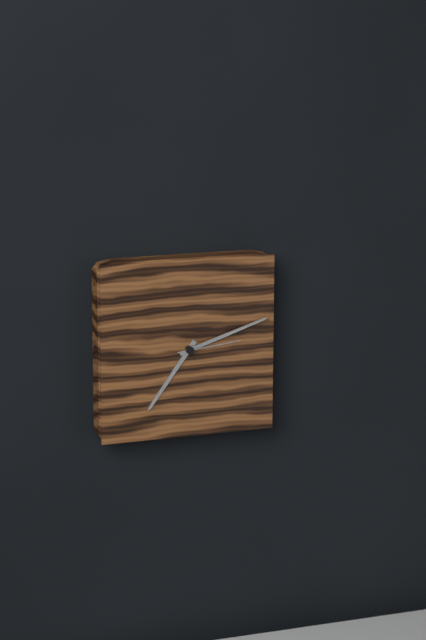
7:12:14
